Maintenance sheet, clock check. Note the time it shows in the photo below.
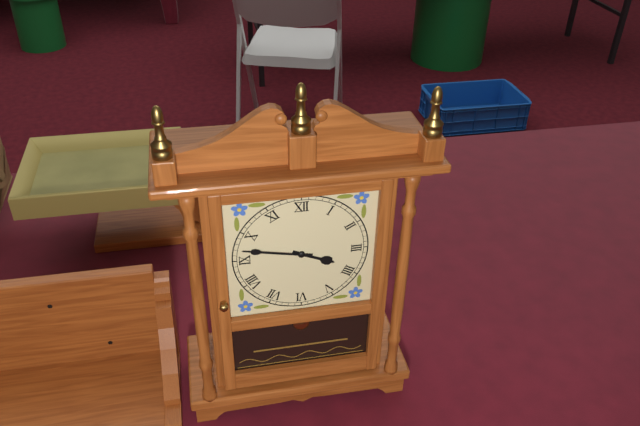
3:47
